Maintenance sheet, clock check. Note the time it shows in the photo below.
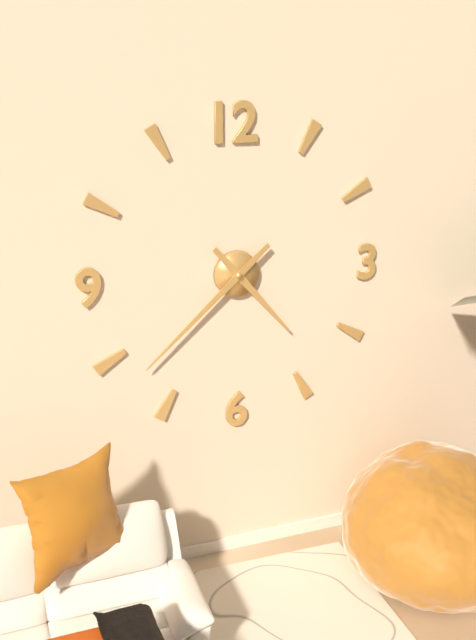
4:38
